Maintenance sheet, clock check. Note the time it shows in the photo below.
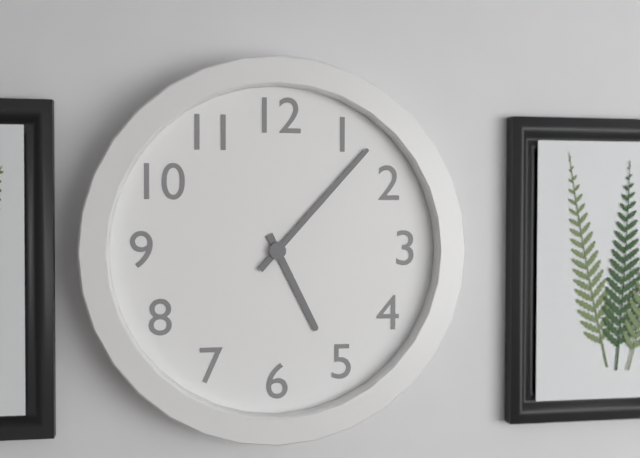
5:07
